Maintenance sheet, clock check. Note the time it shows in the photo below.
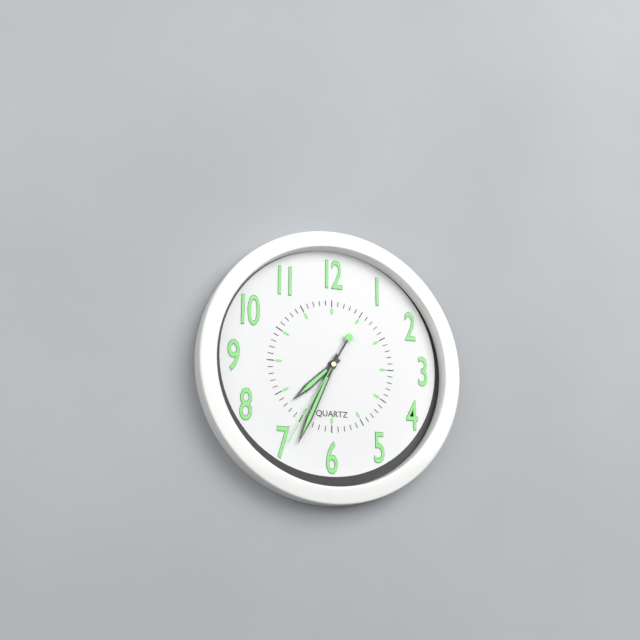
7:34:35
